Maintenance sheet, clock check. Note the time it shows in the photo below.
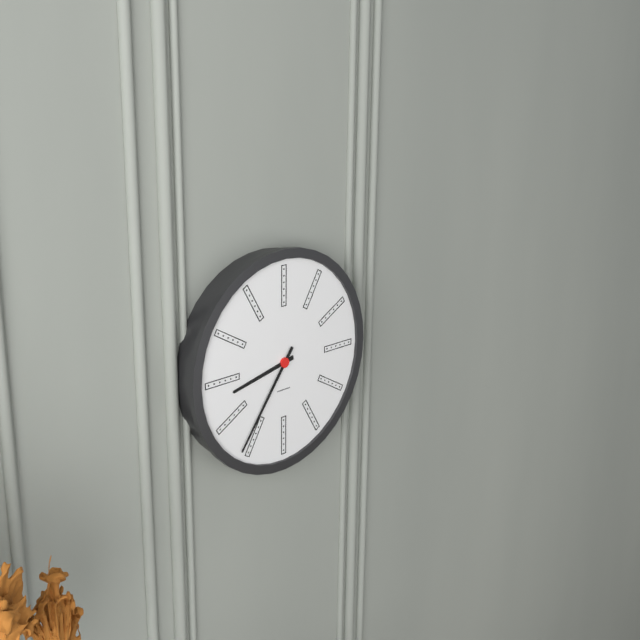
8:36
